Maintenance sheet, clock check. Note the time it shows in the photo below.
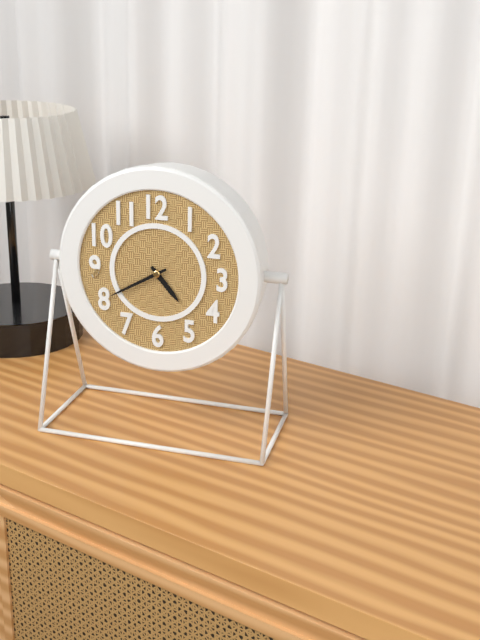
4:40
